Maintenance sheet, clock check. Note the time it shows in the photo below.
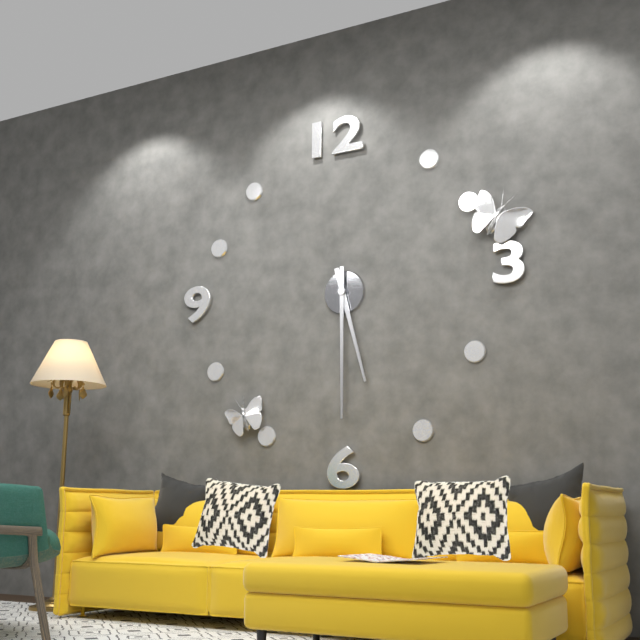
5:30
